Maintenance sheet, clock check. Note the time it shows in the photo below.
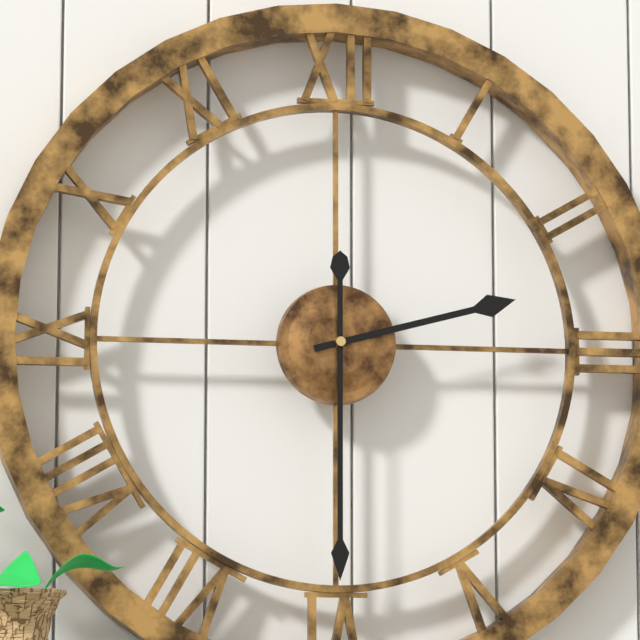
2:30
